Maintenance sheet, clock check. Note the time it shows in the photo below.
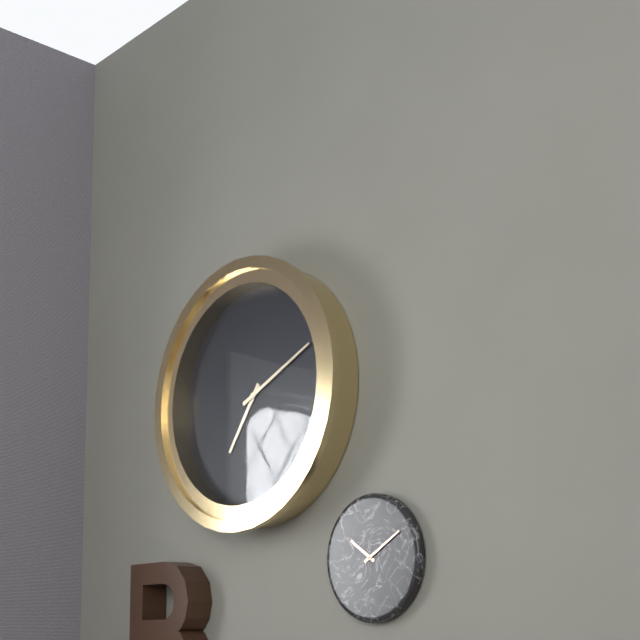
7:11
